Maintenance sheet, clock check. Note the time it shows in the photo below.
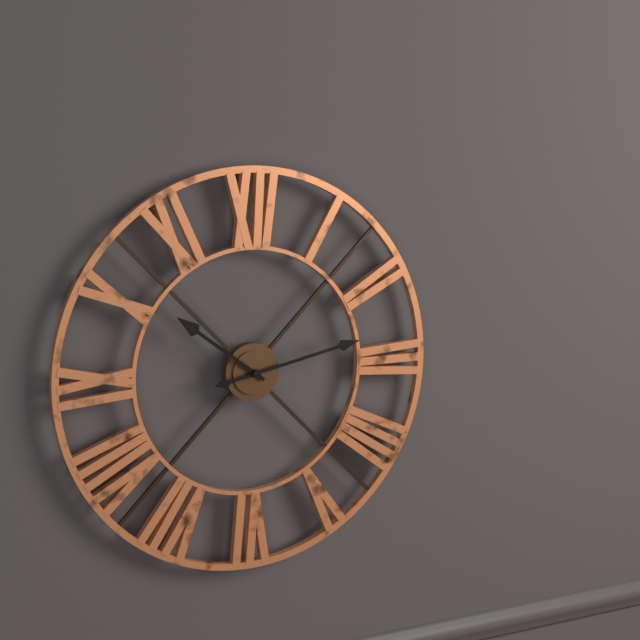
10:13
